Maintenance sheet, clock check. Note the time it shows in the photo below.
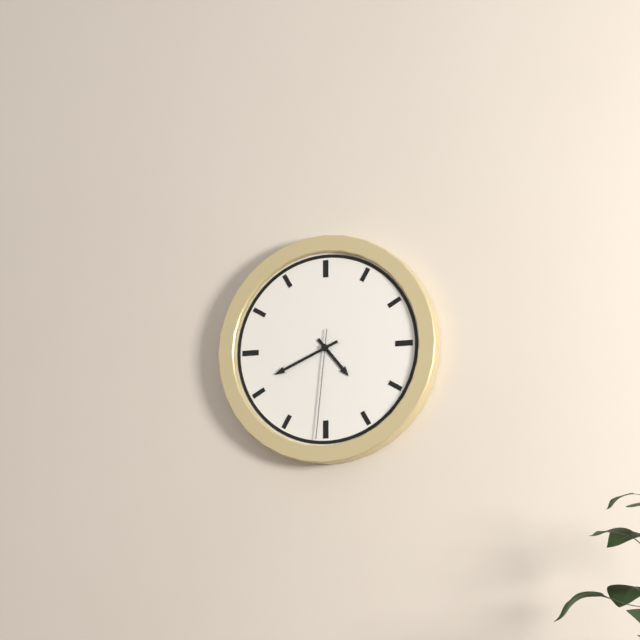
4:41:31
